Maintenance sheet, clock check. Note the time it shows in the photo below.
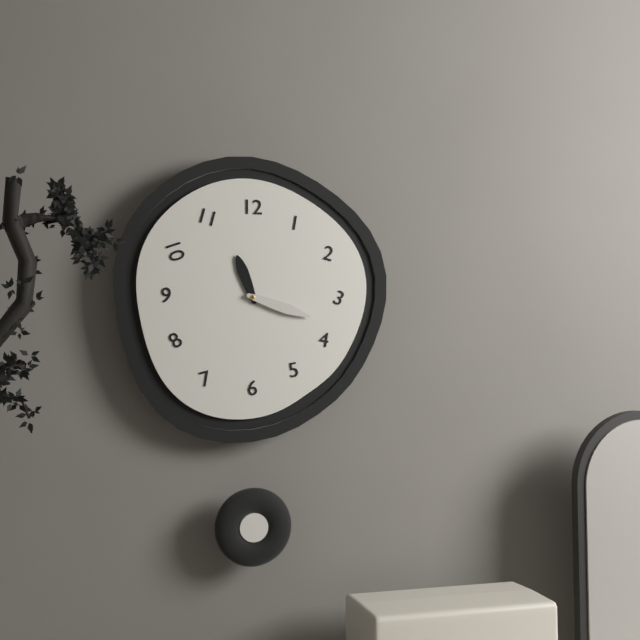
11:18
